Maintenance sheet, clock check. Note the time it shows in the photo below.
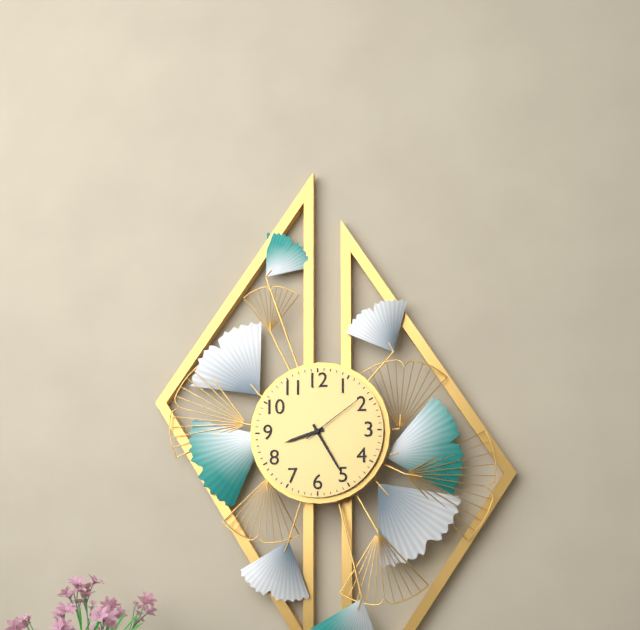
8:25:09
